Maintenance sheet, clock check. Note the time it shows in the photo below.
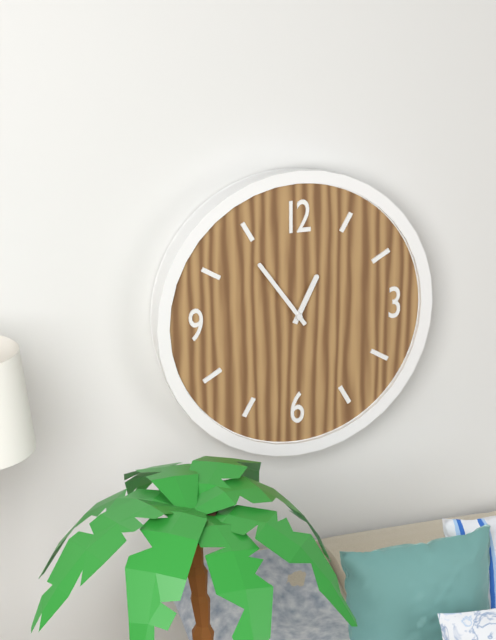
12:54
